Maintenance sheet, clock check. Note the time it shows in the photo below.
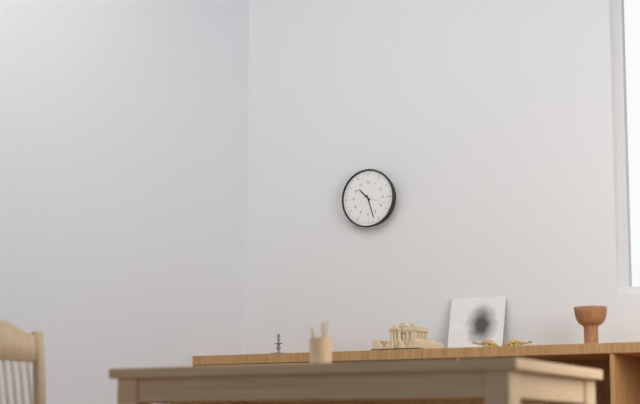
10:27
